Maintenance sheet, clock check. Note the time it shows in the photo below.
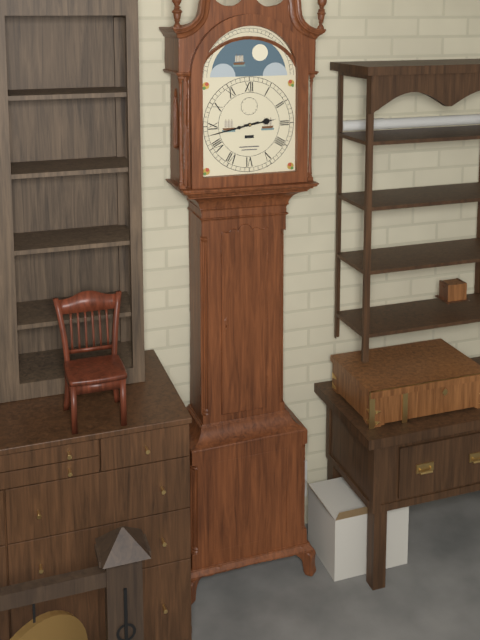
2:43
